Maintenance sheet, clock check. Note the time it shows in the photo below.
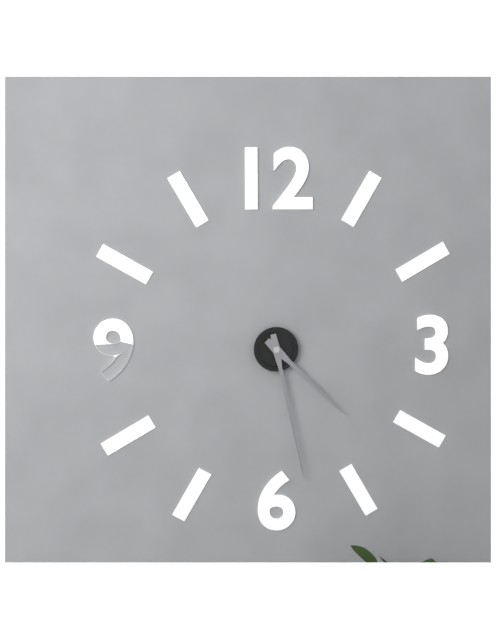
4:28
